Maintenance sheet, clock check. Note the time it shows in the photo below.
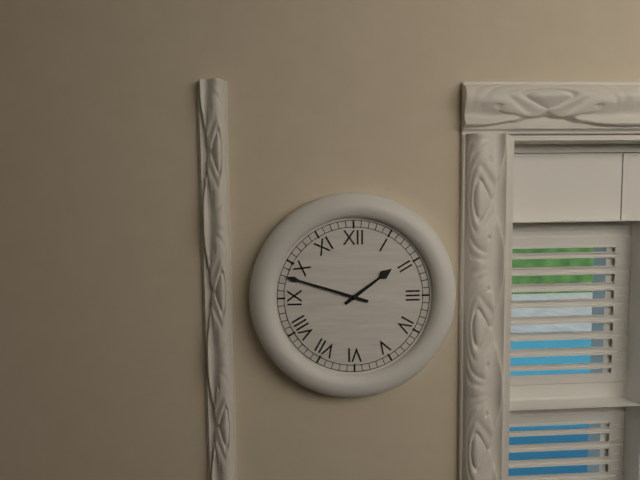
1:48
